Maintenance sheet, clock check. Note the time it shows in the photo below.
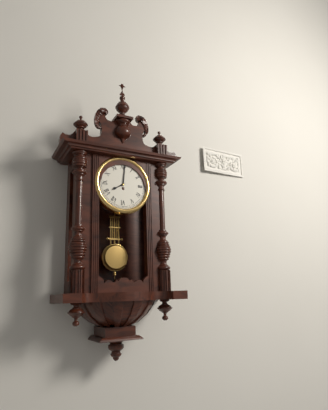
8:01
